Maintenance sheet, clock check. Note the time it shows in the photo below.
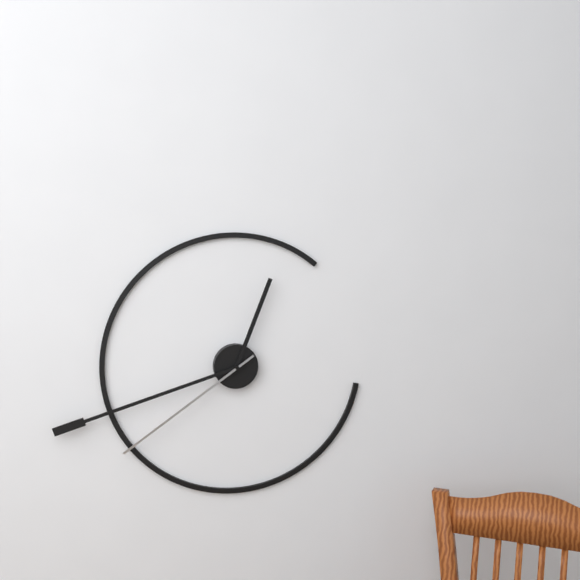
12:42:39
